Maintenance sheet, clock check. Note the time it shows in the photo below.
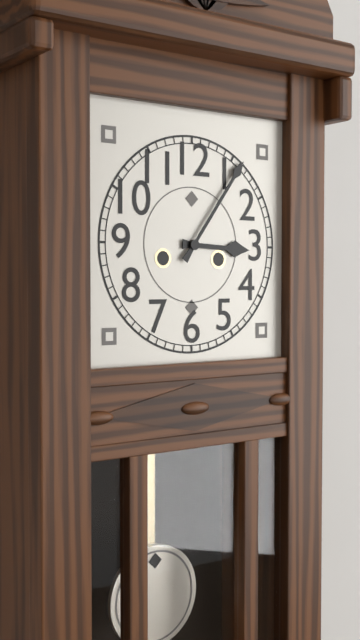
3:06
